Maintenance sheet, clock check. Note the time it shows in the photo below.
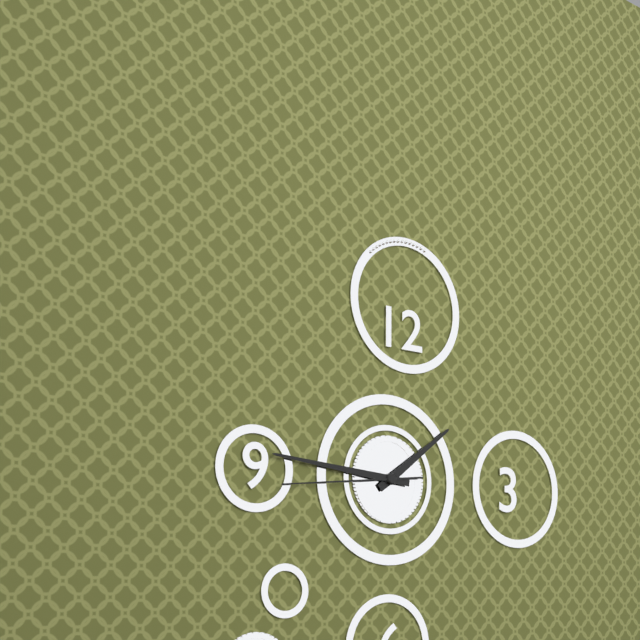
1:46:44
